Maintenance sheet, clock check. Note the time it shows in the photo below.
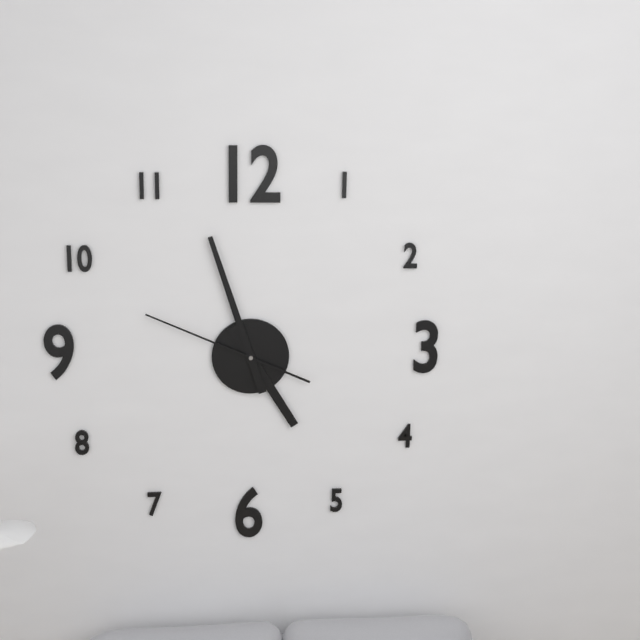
4:57:49
